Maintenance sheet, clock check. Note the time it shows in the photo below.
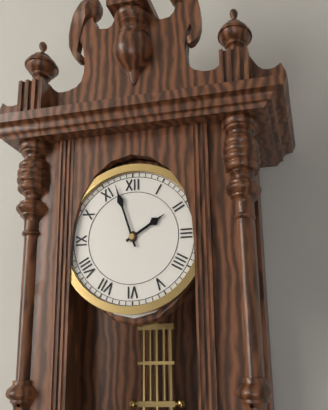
1:57
